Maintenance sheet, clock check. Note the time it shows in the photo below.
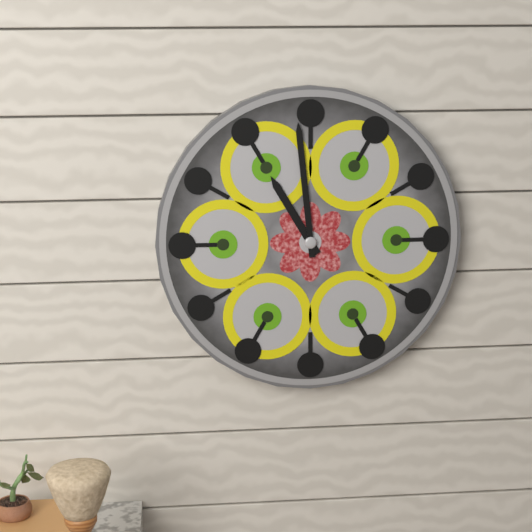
10:59
